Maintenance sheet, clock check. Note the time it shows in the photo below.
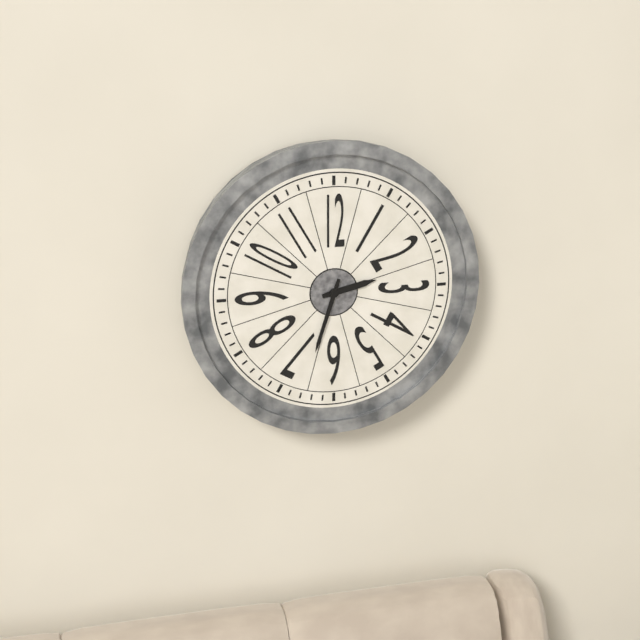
2:33
